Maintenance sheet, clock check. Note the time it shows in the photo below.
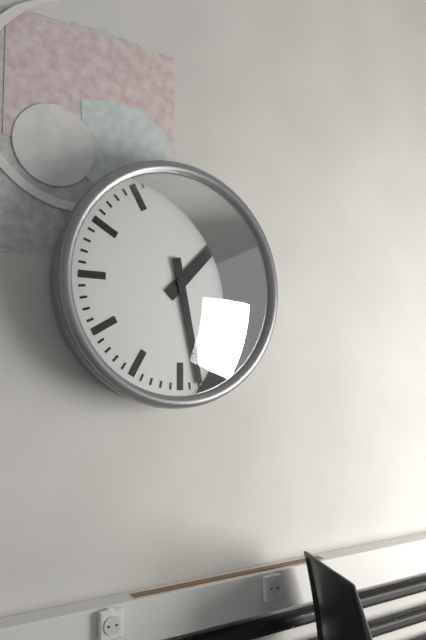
1:28
